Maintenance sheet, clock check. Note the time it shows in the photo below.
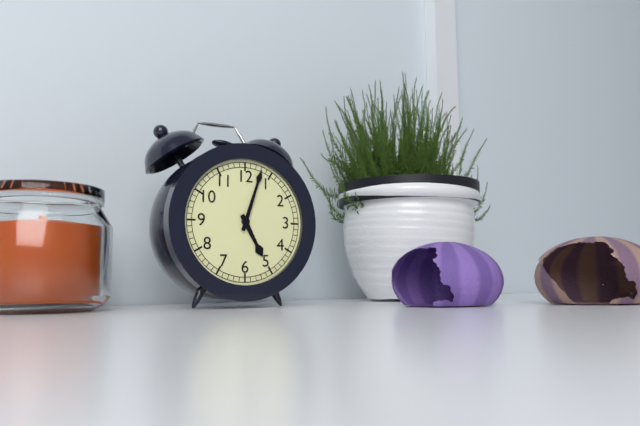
5:03
